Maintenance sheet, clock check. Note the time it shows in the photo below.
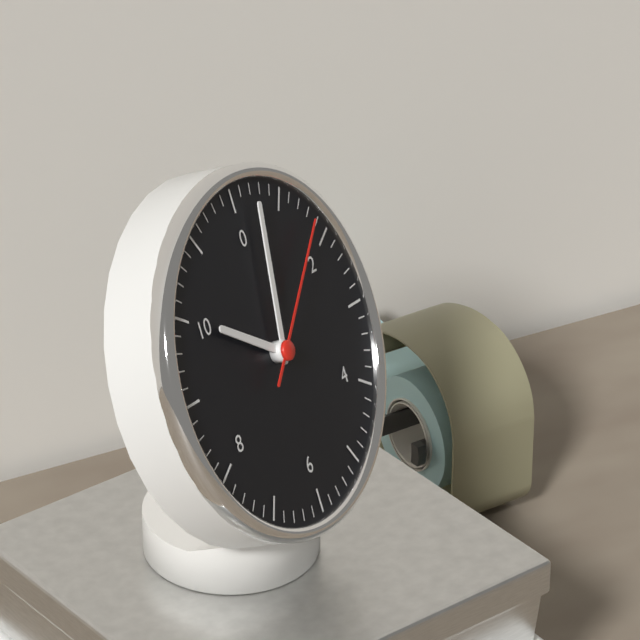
10:02:08
